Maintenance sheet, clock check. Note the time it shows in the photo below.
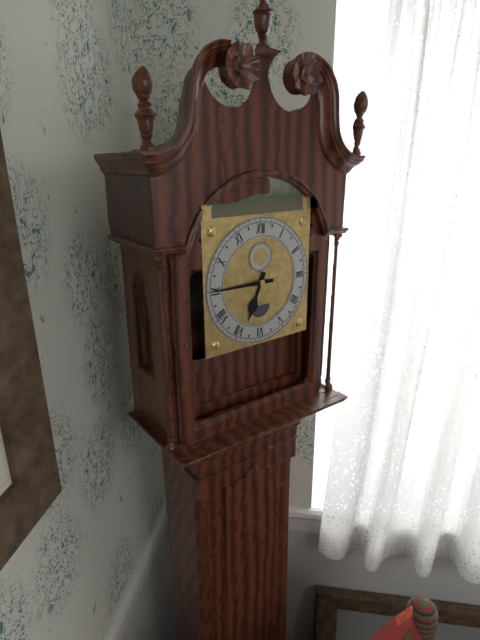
6:45
